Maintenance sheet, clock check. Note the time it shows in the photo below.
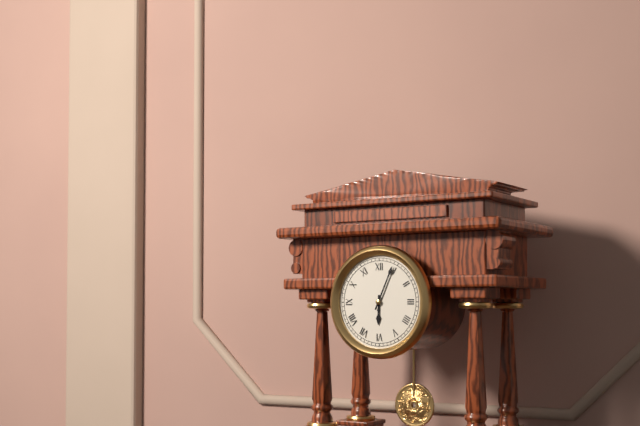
6:04
